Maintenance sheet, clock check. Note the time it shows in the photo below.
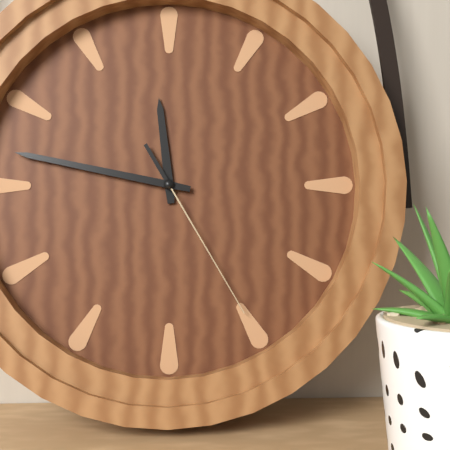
11:47:25
